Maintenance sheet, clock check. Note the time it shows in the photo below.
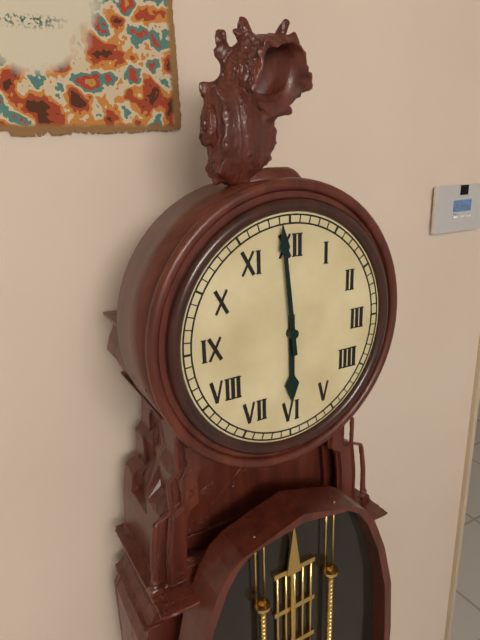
5:59
